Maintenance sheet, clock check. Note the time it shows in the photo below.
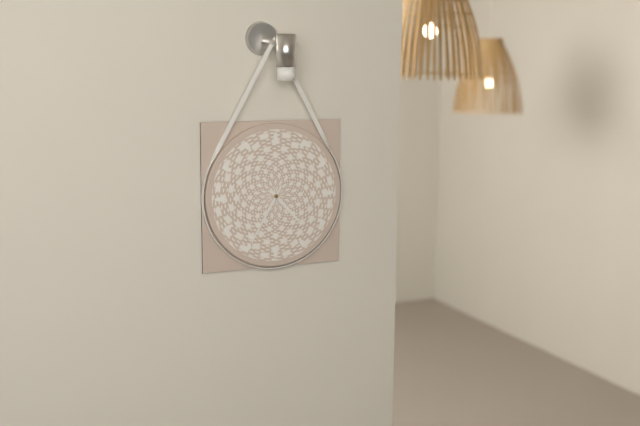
4:35
